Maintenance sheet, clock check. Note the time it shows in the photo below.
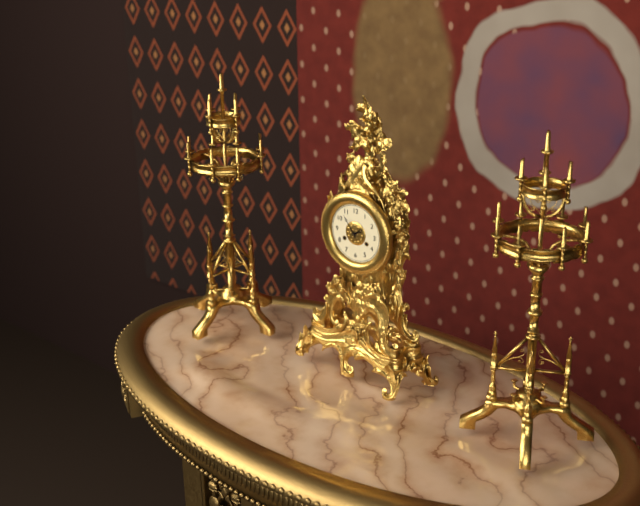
1:54
